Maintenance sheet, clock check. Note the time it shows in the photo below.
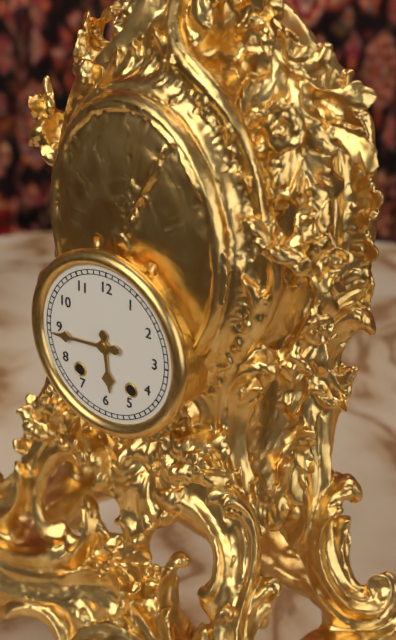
5:44
